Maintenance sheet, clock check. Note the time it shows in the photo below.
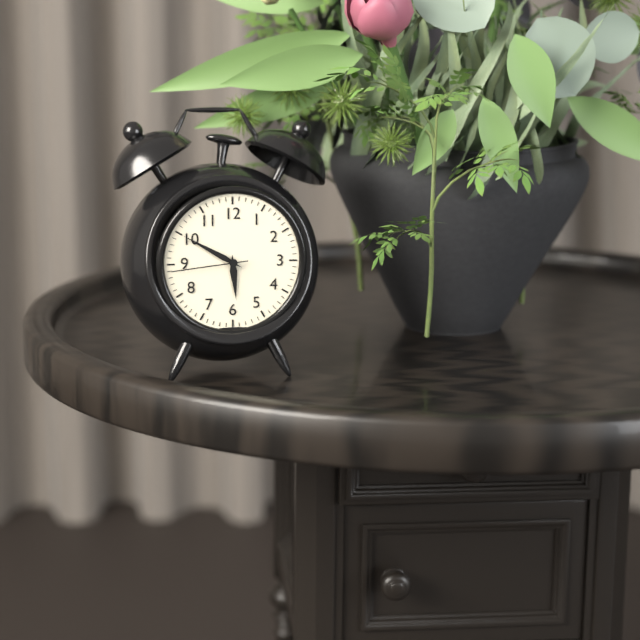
5:50:44
